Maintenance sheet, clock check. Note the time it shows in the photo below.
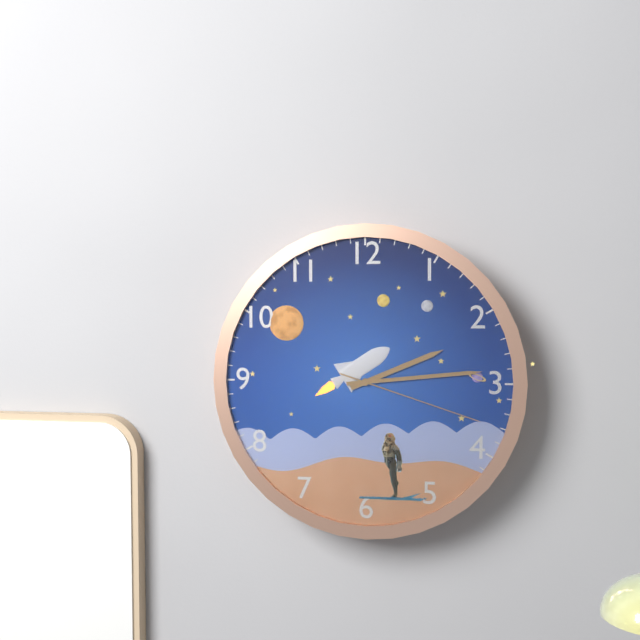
2:14:18
